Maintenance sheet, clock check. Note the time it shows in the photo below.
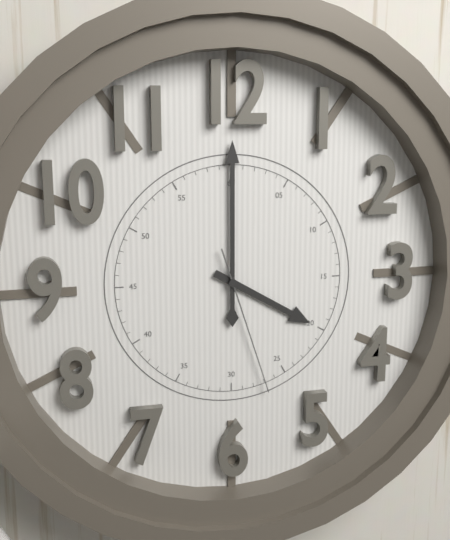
4:00:27
